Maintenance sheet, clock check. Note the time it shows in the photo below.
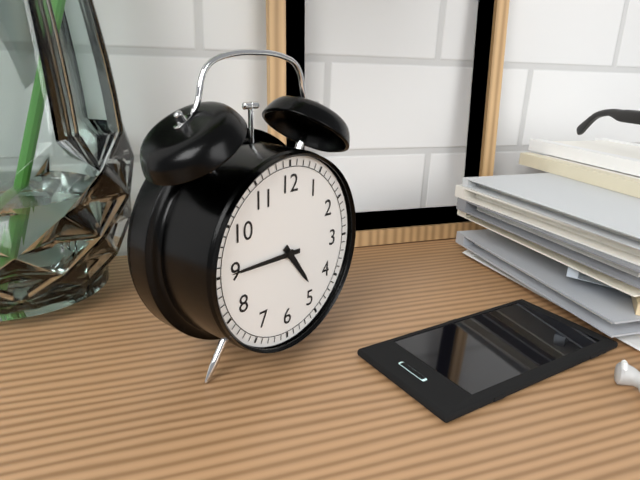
4:45
